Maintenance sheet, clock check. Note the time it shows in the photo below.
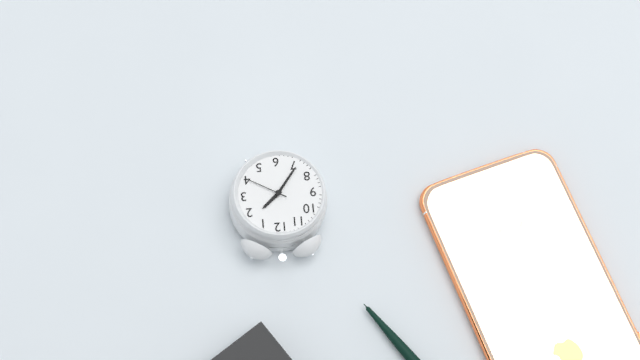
1:36
